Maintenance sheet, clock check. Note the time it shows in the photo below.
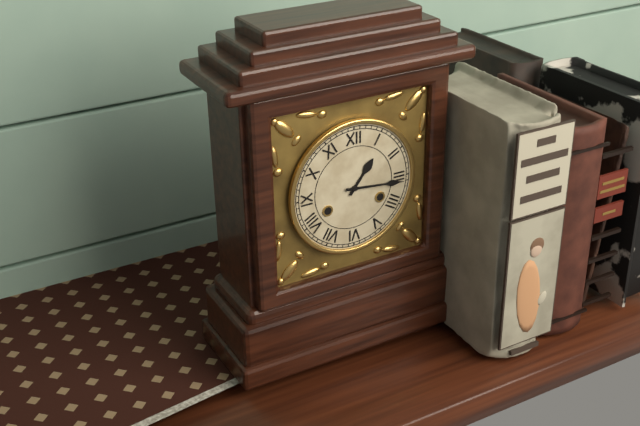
1:16
